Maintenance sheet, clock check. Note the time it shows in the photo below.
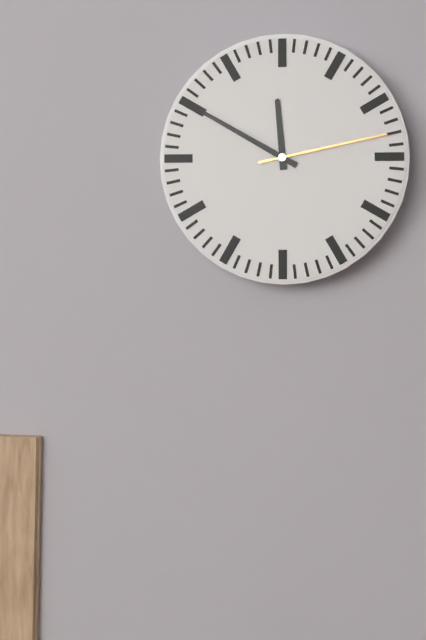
11:50:13
